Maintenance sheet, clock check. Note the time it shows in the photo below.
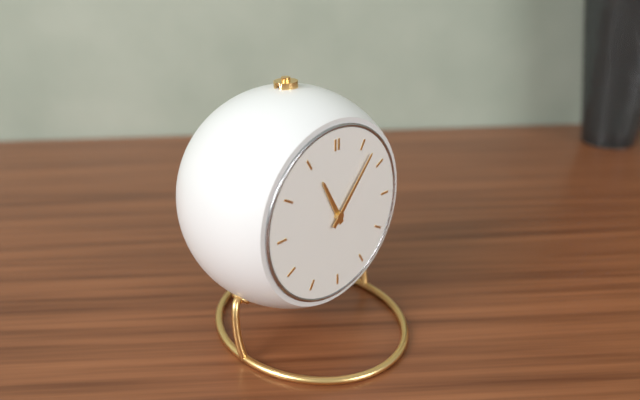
11:07
